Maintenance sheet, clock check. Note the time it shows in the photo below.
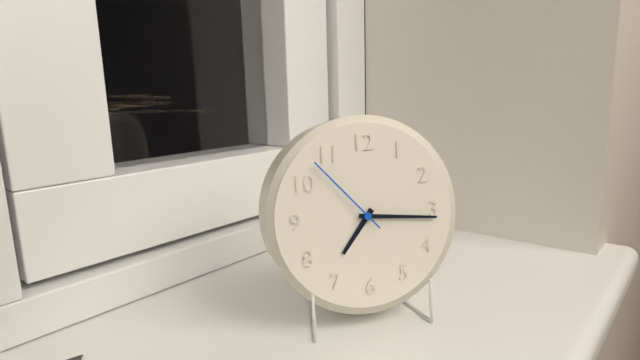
7:16:53
